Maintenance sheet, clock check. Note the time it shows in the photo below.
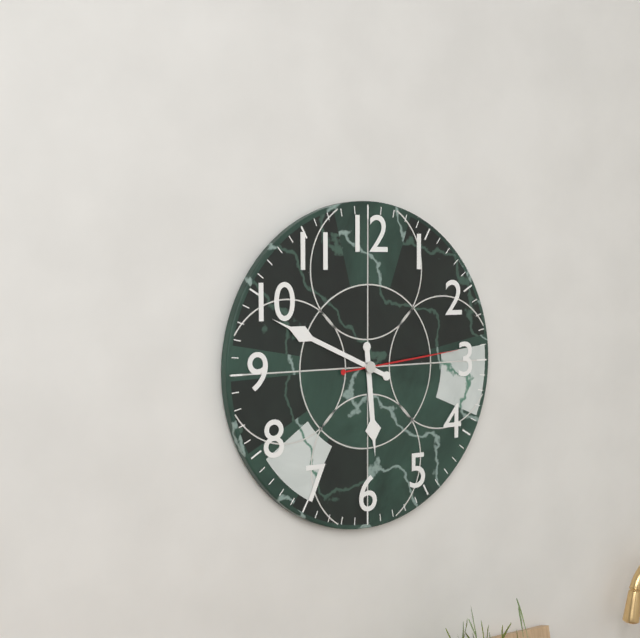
5:49:14
